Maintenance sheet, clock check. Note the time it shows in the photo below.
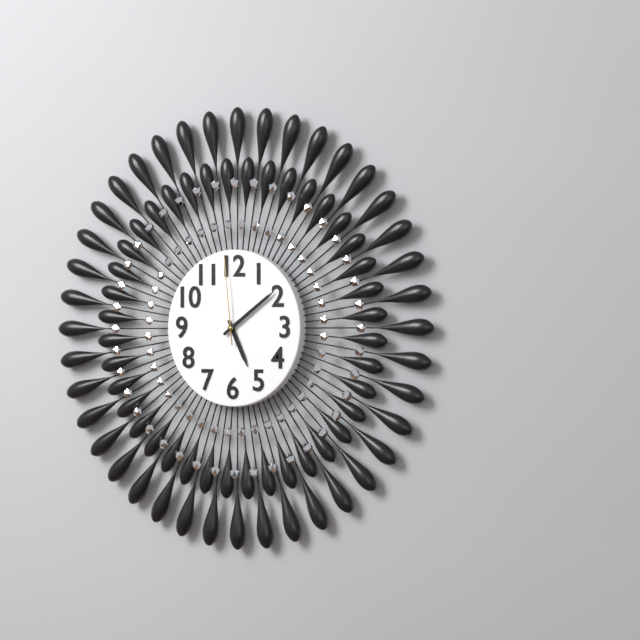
5:09:59
